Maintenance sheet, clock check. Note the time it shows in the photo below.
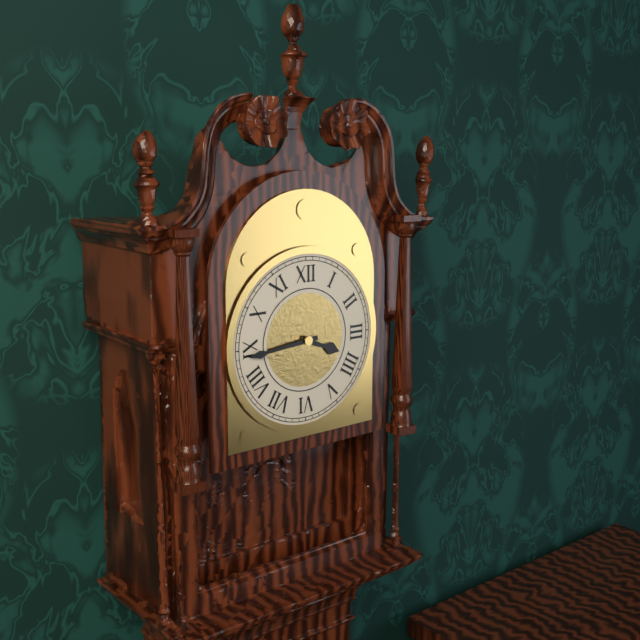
3:44
